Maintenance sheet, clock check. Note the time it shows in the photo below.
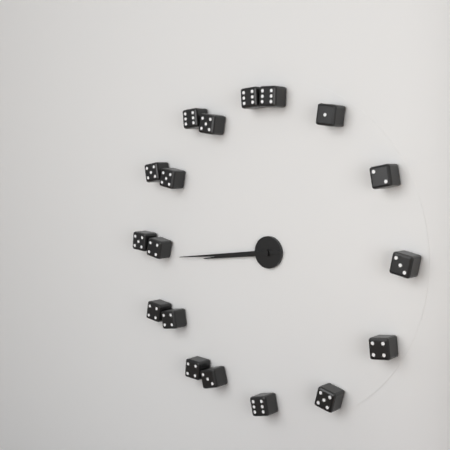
8:44
